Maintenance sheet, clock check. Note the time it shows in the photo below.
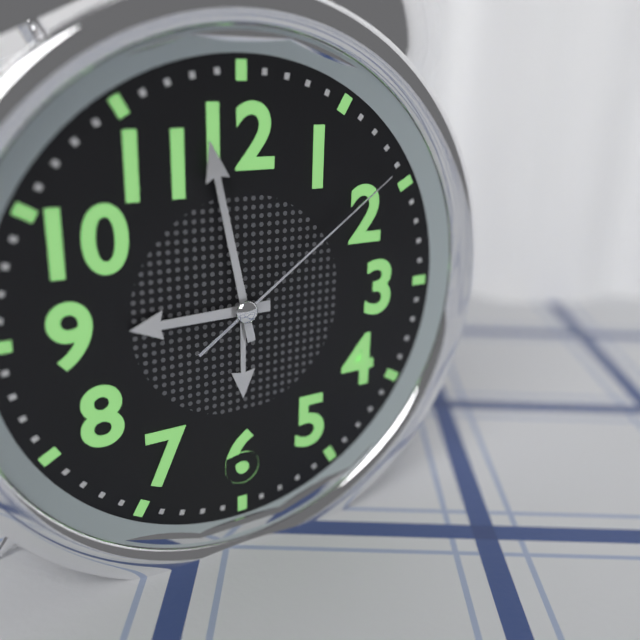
8:58:09
